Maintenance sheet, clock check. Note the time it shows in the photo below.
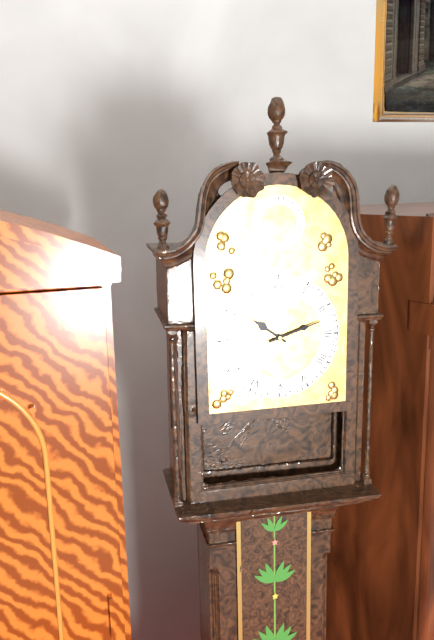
10:12
